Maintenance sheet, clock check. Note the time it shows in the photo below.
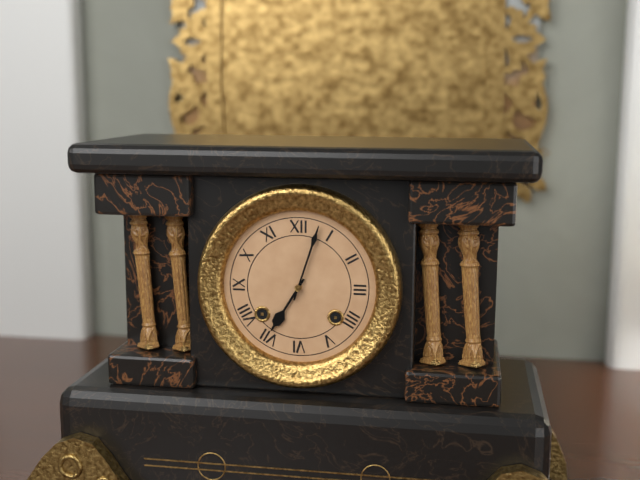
7:03
